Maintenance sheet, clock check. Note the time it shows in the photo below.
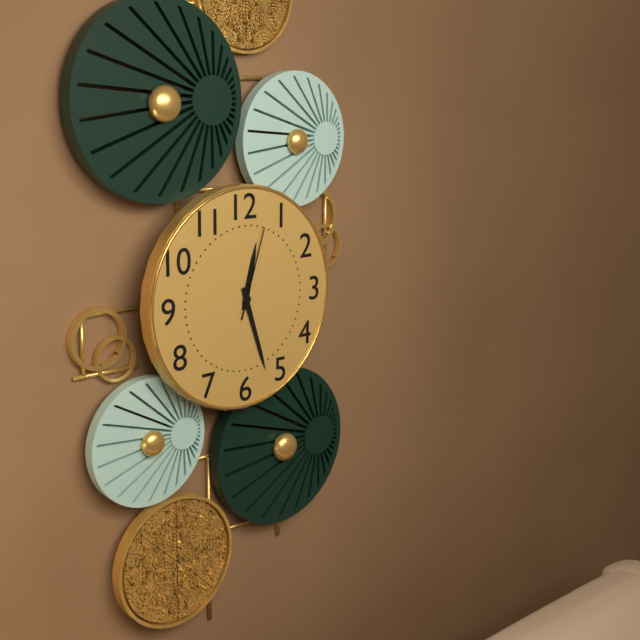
12:27:03
